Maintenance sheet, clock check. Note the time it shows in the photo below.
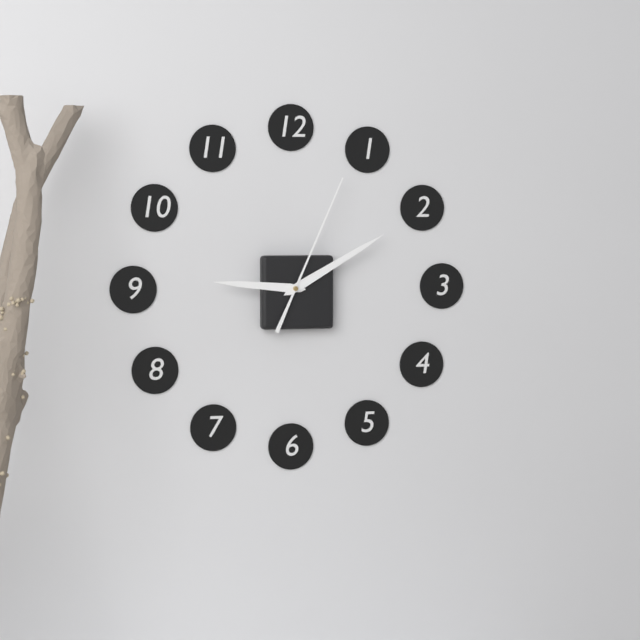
9:10:04
